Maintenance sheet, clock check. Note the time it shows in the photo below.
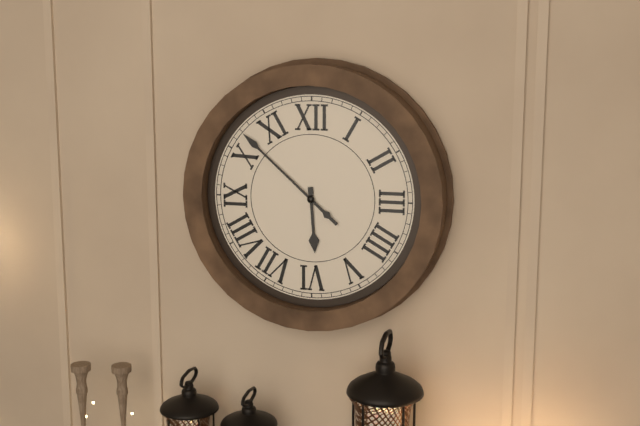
5:52
